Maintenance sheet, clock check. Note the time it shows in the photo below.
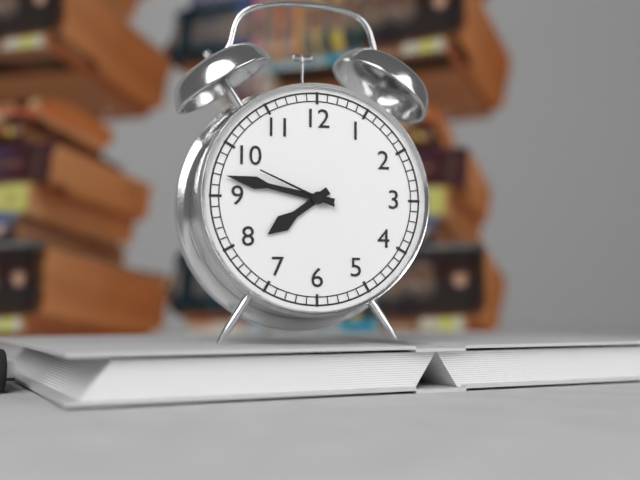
7:47:49
